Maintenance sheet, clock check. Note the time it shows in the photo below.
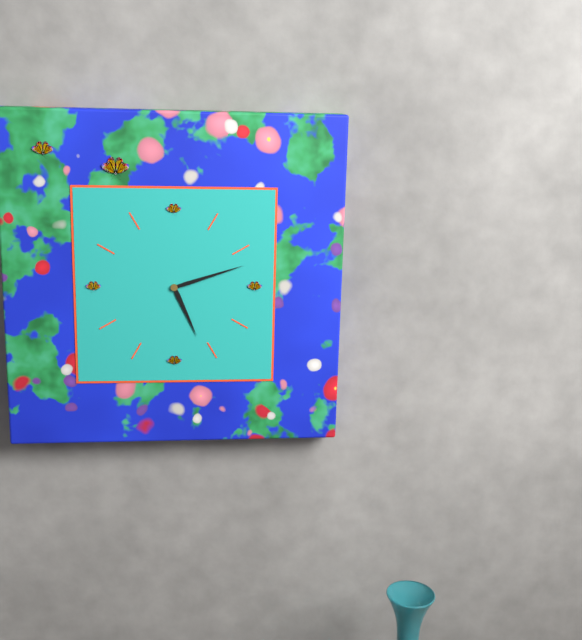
5:12
